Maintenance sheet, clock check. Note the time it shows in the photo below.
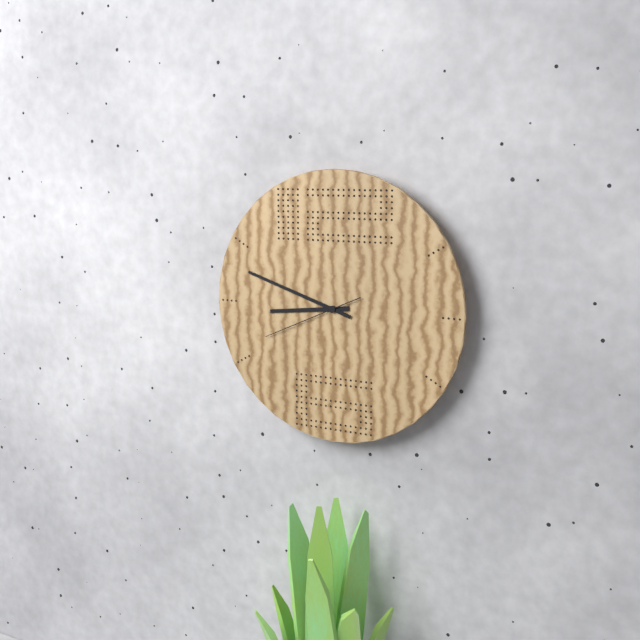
8:48:41
